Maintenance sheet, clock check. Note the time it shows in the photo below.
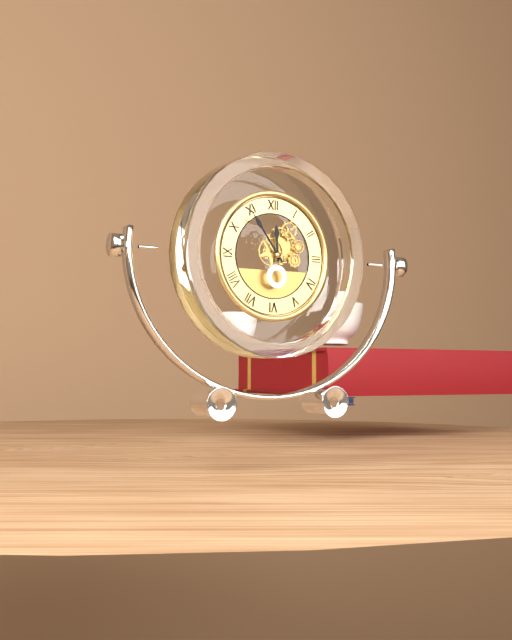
11:54
